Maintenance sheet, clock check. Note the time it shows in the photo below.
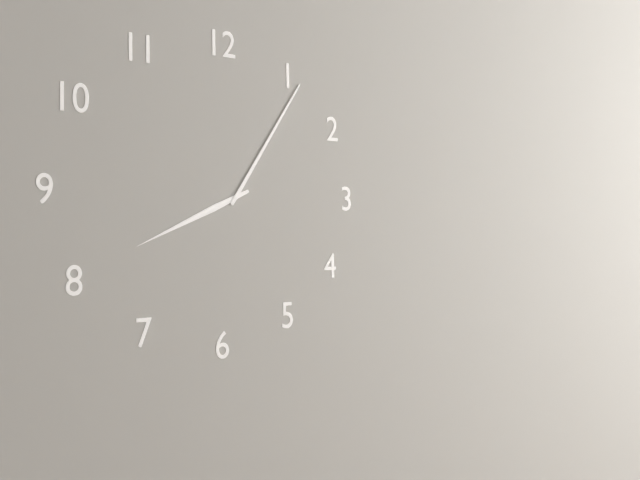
8:05
